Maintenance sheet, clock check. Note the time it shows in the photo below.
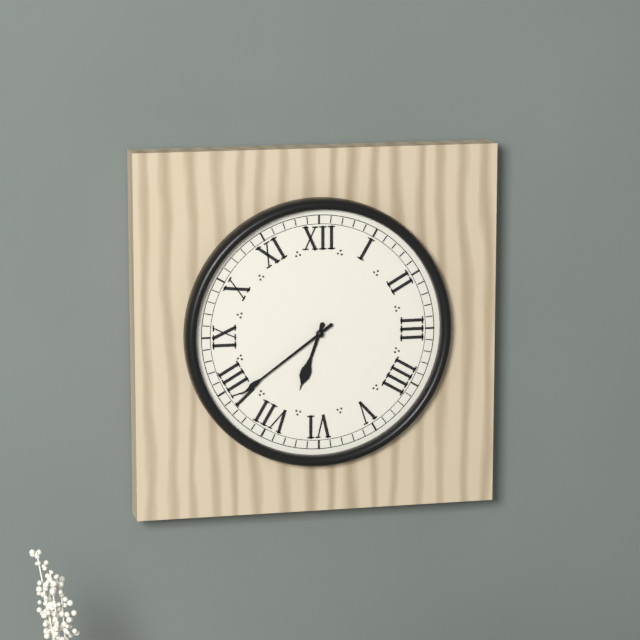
6:39
